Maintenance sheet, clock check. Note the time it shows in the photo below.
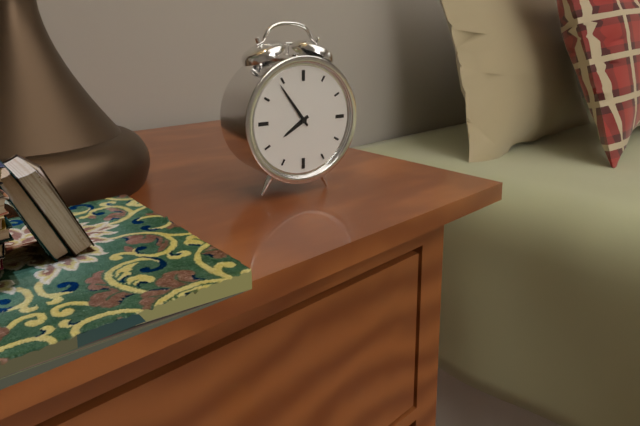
7:54
